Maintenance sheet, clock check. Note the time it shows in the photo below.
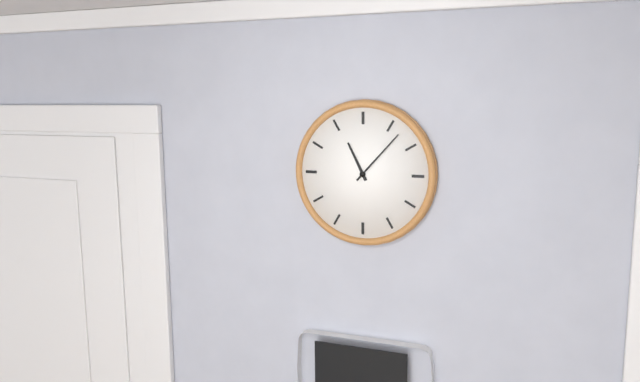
11:07
